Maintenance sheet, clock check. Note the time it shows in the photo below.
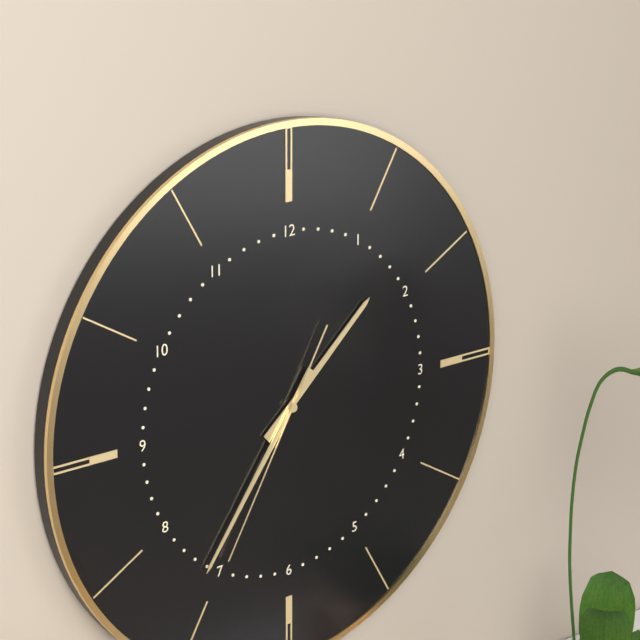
1:36:35
